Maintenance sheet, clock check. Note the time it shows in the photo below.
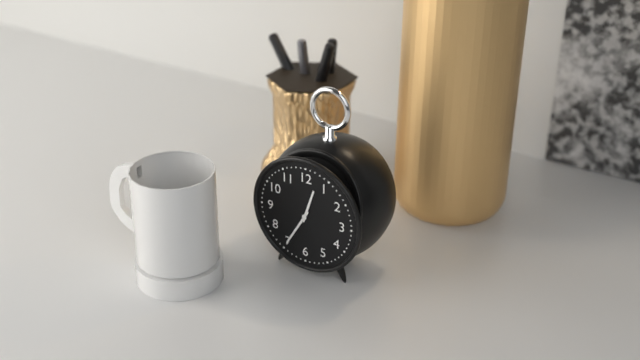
12:35
